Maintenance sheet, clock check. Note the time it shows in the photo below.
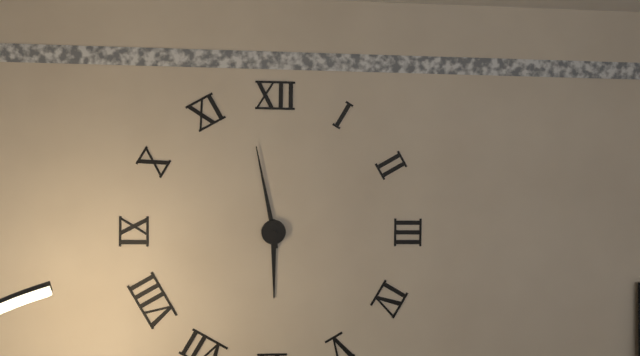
5:58
